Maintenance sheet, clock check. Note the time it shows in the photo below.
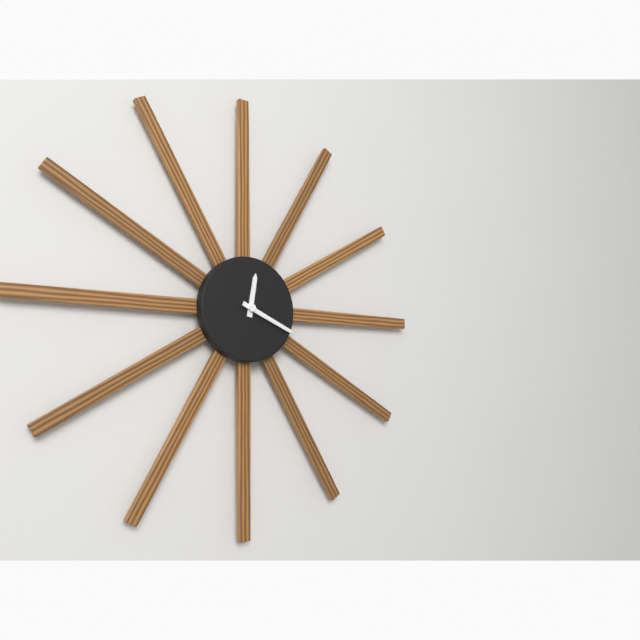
12:19
